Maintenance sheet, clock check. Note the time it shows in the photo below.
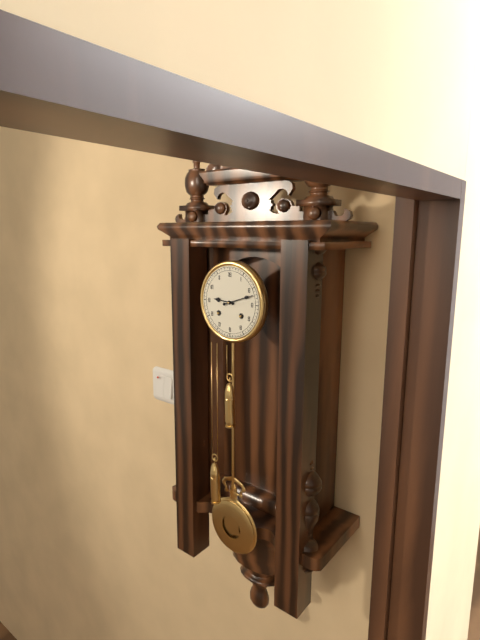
9:12
